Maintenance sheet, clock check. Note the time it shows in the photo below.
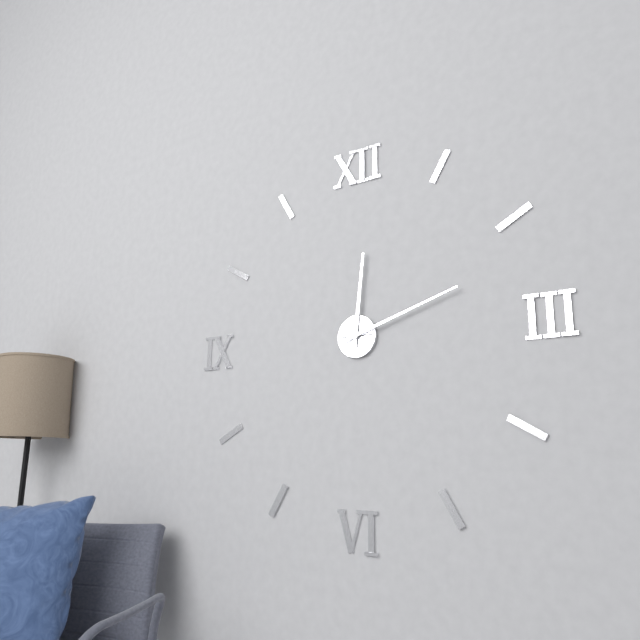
12:12
